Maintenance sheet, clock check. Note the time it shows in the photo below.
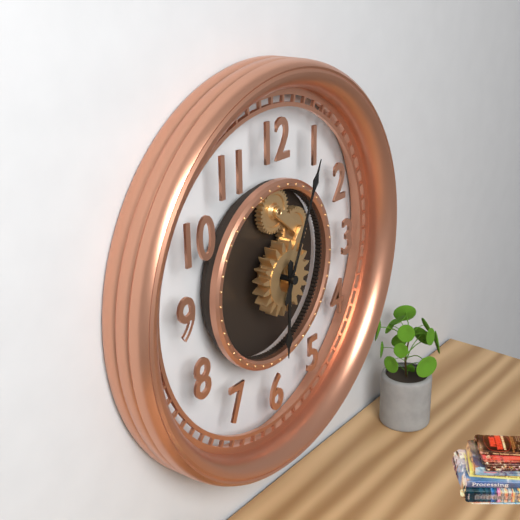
6:04
